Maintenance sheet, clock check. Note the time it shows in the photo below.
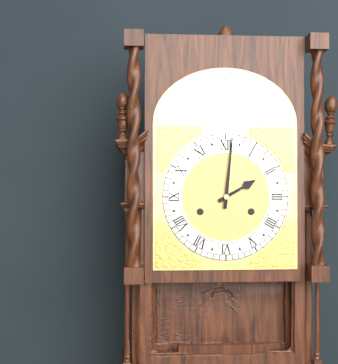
2:01
